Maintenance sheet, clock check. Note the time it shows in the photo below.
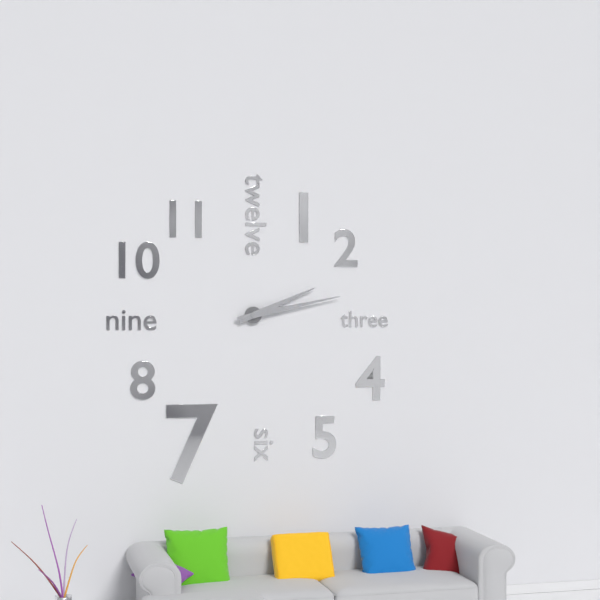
2:13
